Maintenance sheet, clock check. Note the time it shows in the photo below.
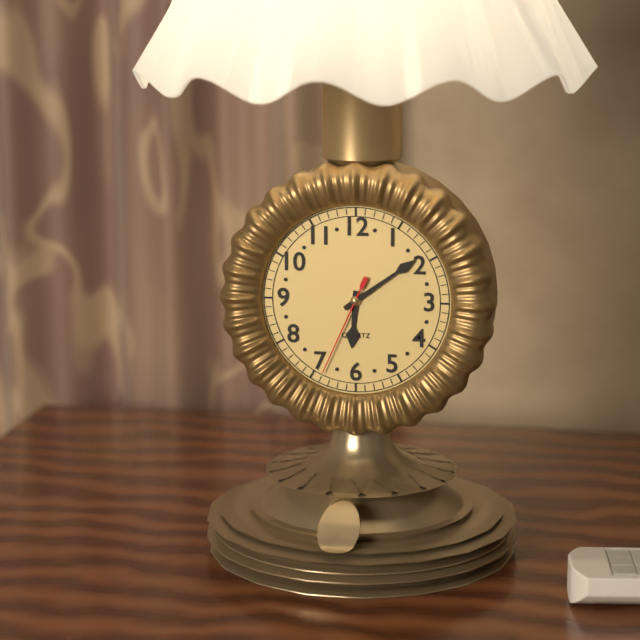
6:09:34
